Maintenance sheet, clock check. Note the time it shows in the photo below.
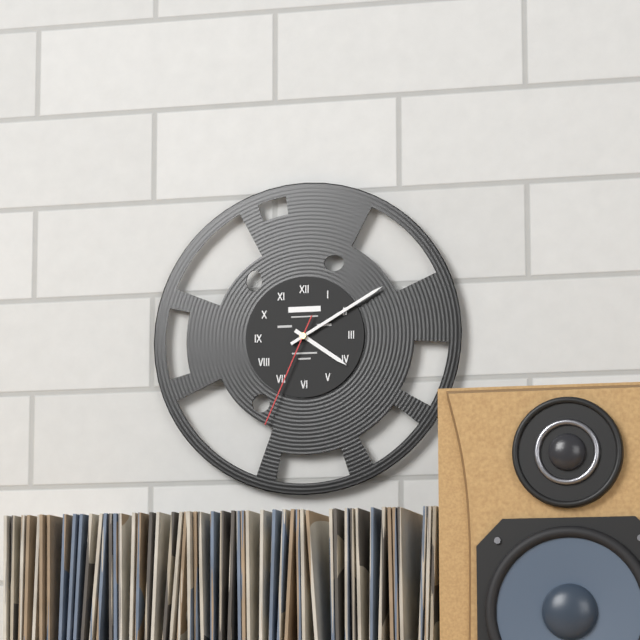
4:10:34
